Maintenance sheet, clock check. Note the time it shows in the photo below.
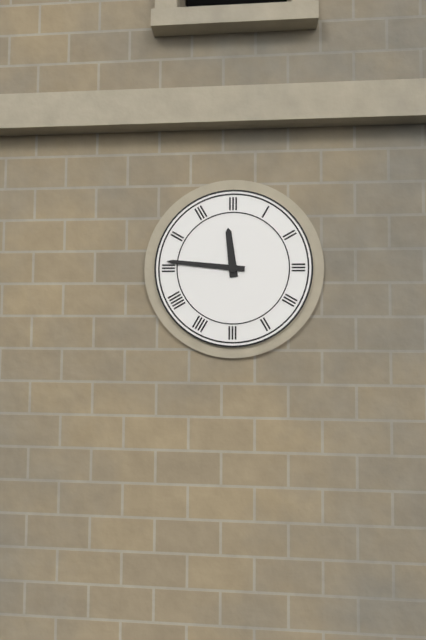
11:46
